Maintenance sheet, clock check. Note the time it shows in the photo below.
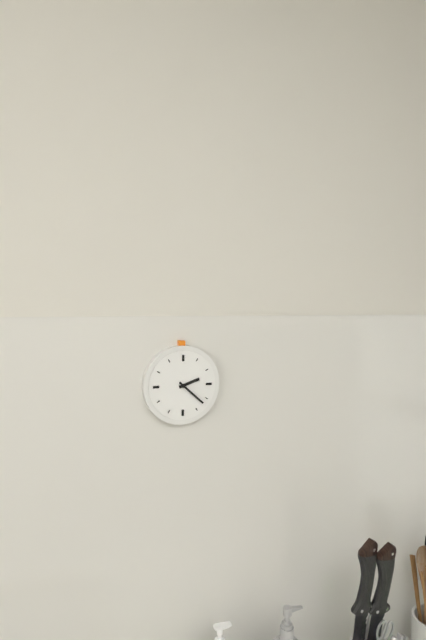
2:22
